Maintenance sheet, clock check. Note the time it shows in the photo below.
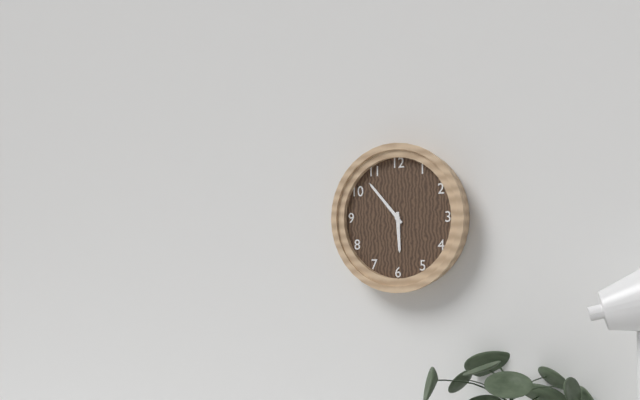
5:53
